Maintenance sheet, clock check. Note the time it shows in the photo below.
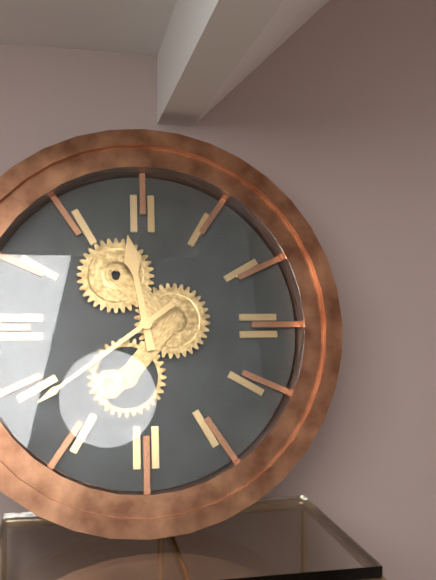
11:39
